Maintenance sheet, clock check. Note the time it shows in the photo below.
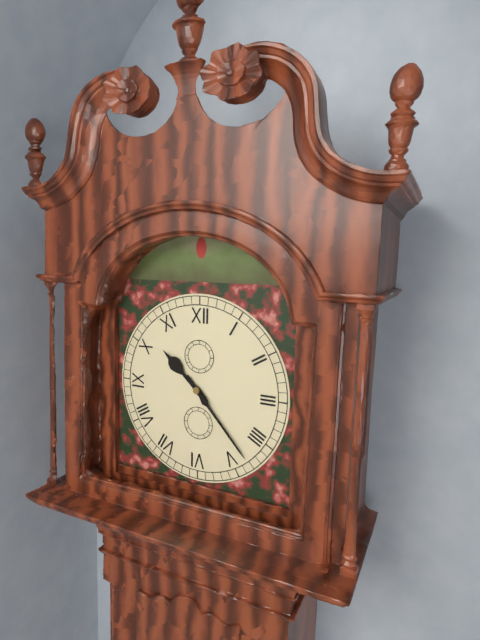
10:23
